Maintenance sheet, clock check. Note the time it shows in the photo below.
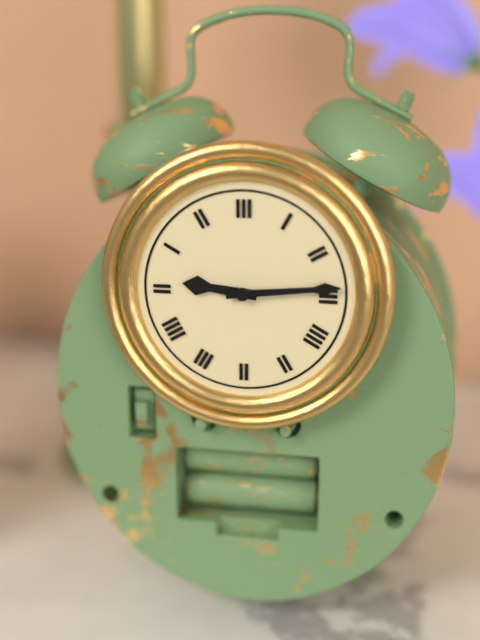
9:14
